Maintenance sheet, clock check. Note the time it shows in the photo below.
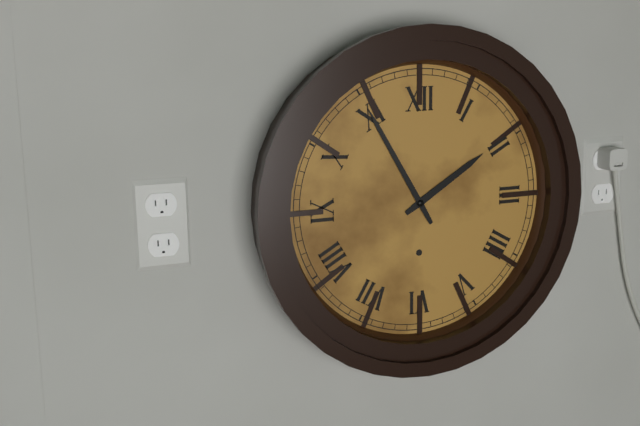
1:55
